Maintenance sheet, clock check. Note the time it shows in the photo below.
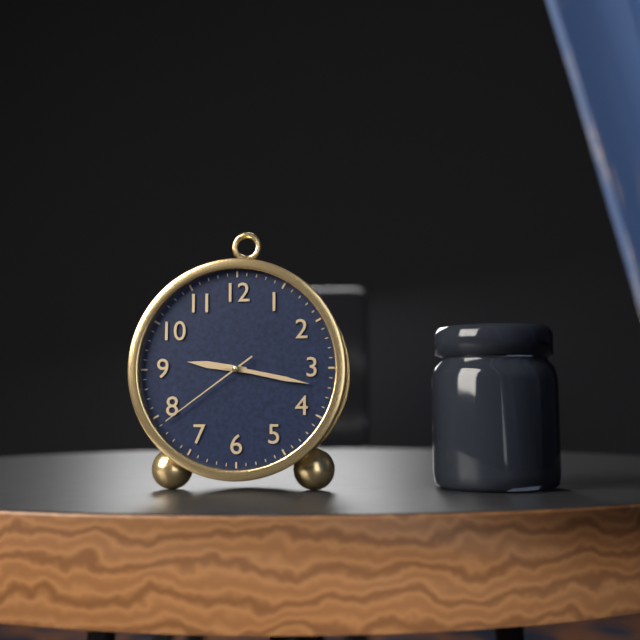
9:17:39
